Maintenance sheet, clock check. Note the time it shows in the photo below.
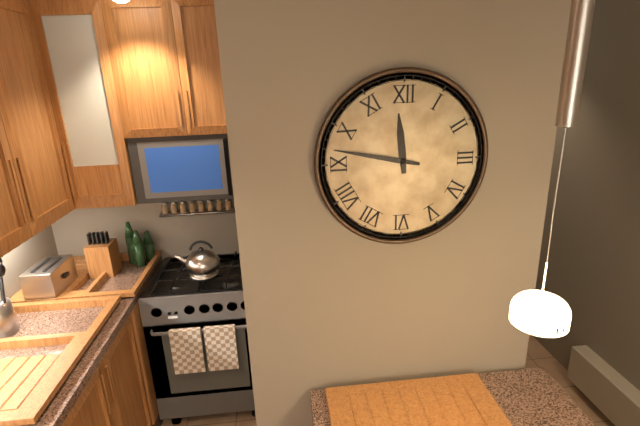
11:47
